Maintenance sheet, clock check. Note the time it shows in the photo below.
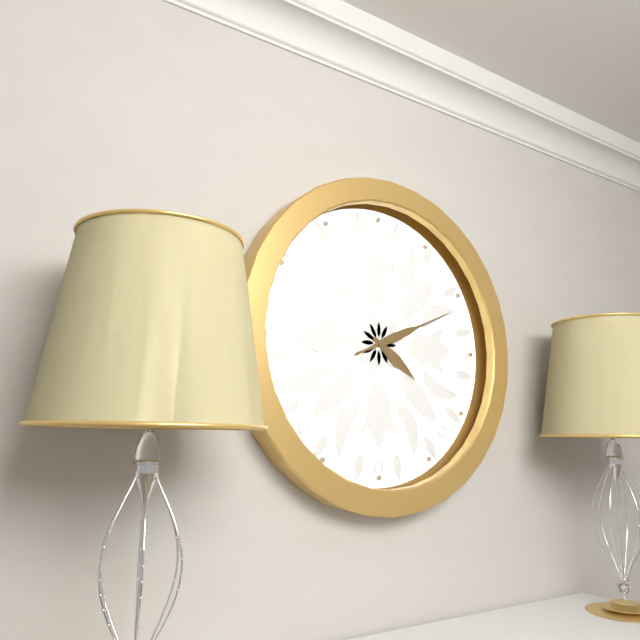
4:11
